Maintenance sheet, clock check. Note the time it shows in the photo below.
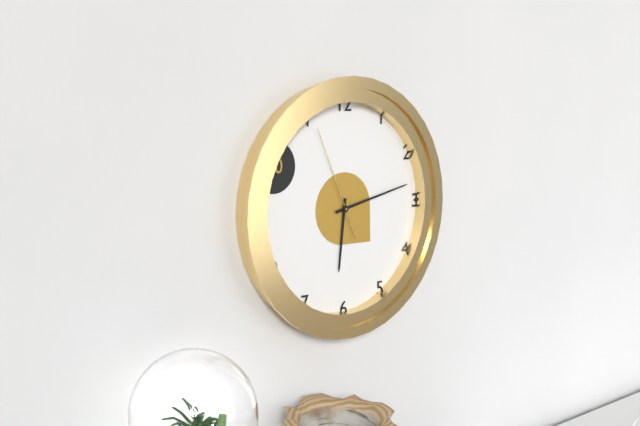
6:13:56
